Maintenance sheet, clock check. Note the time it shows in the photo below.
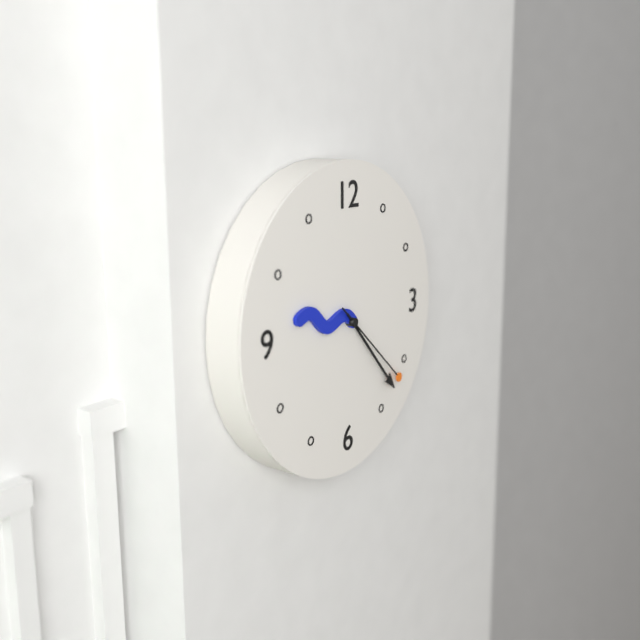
9:23:22
